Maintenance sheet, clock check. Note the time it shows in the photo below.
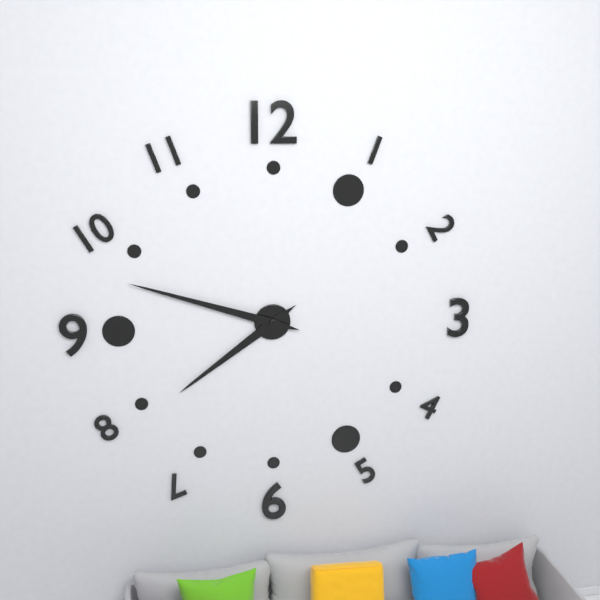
7:48
